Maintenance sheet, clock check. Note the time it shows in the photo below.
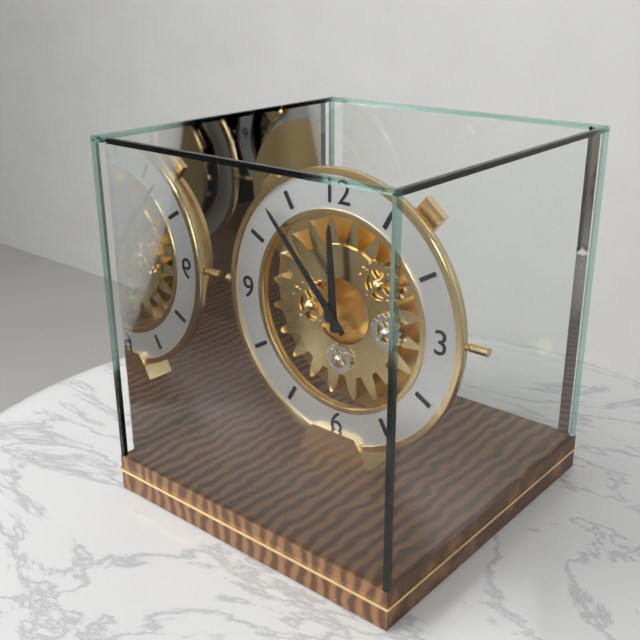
11:53
